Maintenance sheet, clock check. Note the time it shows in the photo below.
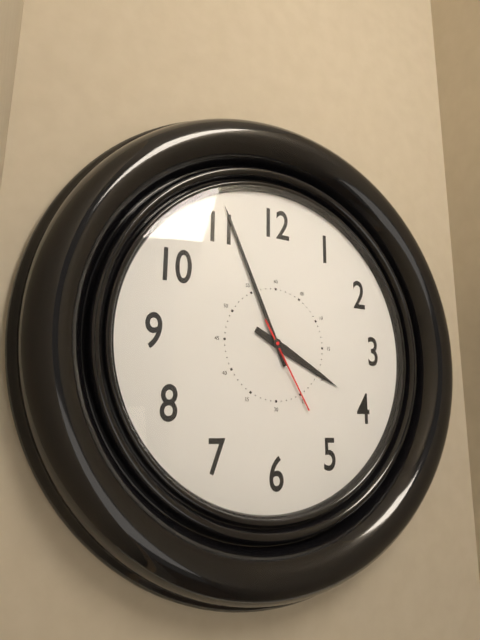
3:56:25
